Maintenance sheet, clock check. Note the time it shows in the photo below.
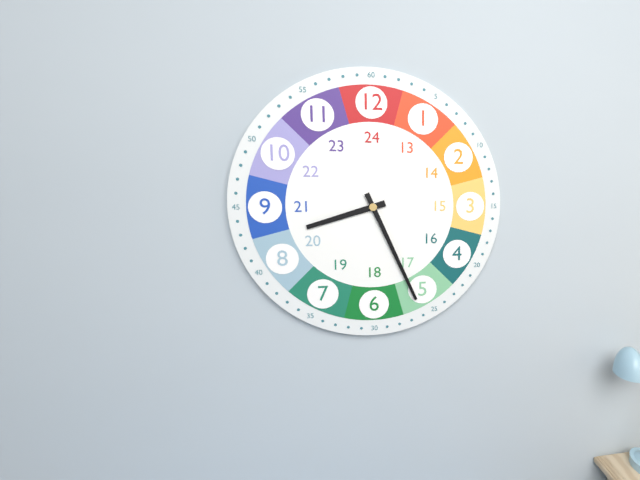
8:26
